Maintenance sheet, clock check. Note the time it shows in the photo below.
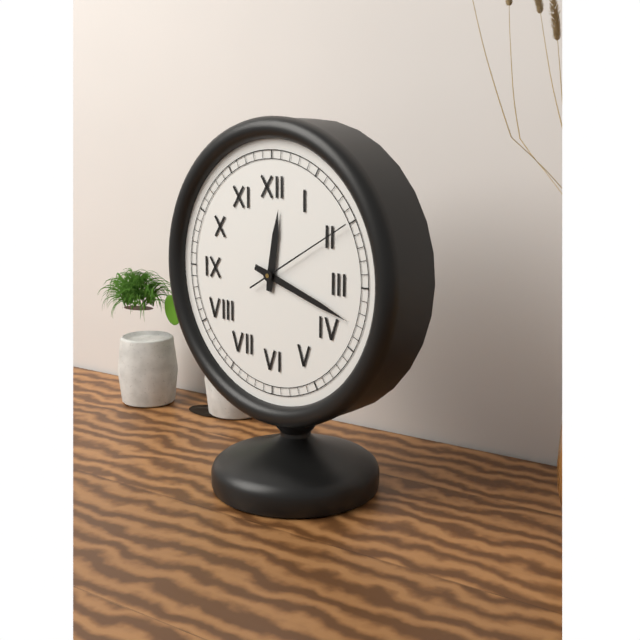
12:18:10
